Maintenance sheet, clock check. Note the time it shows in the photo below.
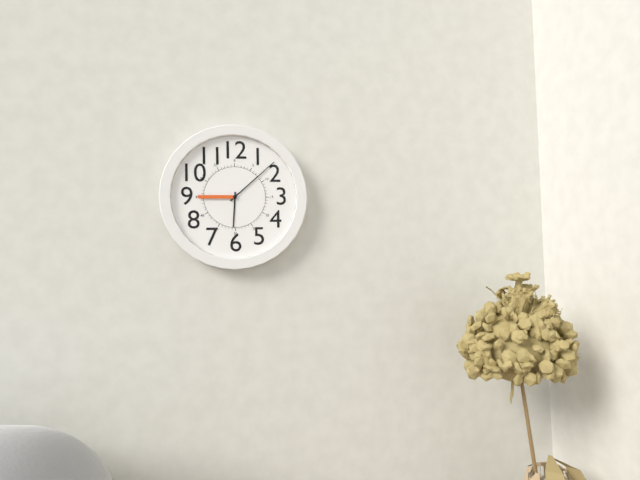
6:08
